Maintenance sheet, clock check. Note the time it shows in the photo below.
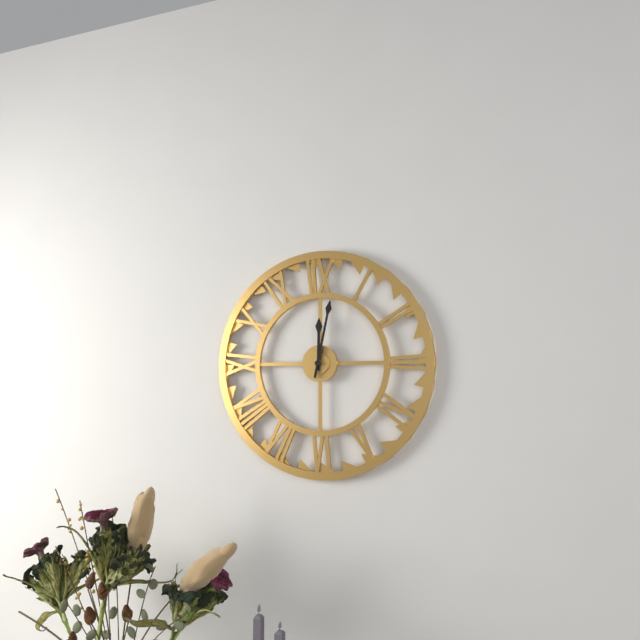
12:02
